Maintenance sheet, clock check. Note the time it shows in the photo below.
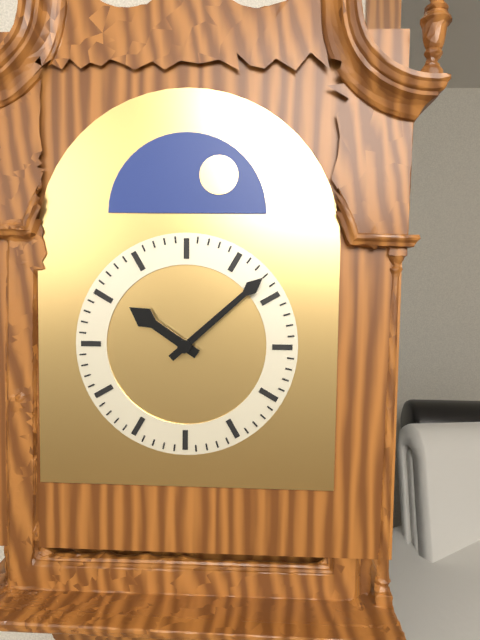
10:08
